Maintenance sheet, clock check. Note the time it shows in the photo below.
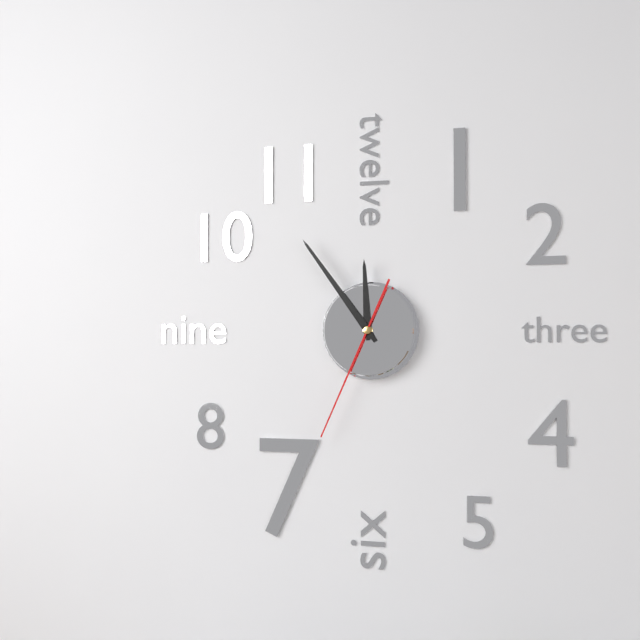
11:54:34
